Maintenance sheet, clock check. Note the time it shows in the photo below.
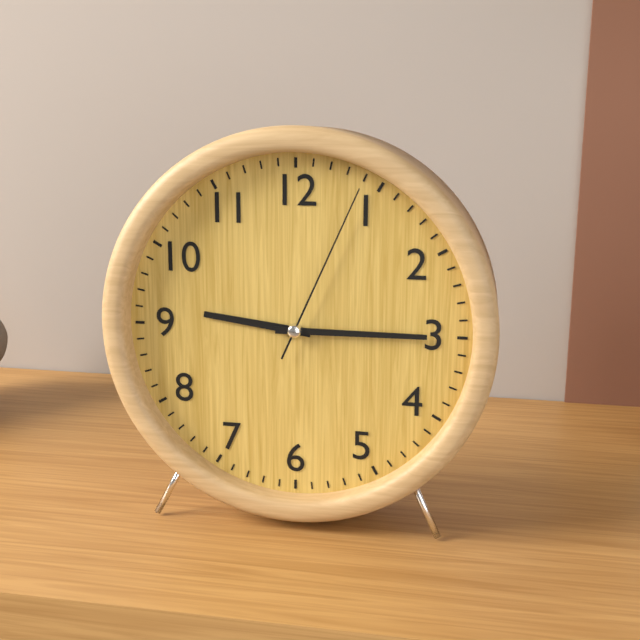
9:15:04
